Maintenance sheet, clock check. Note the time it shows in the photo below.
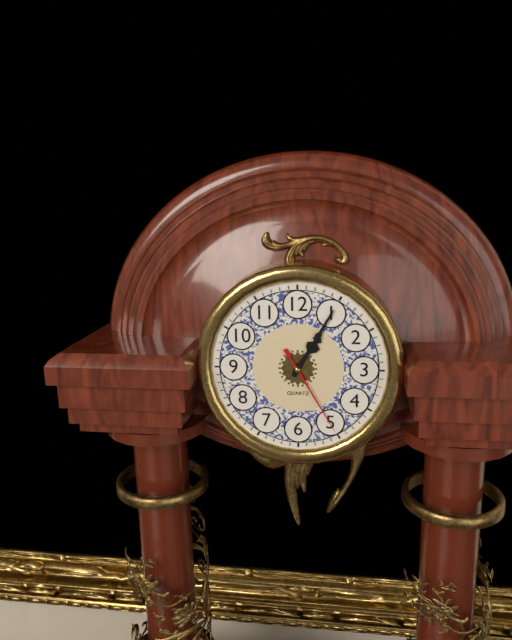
1:05:25
